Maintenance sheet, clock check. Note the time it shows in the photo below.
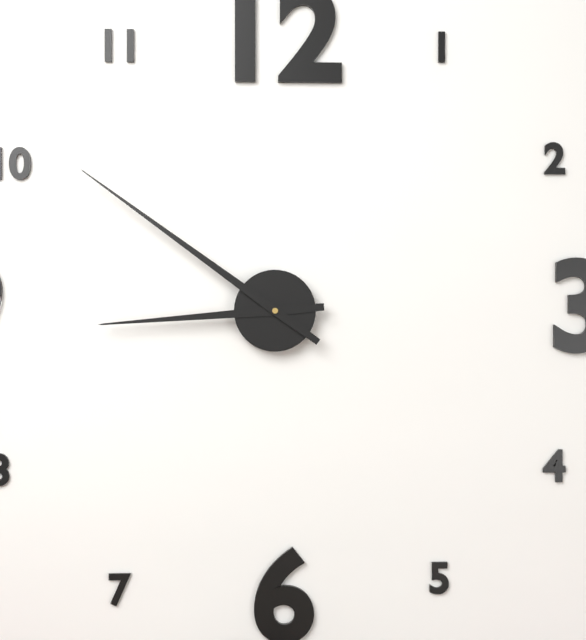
8:51
